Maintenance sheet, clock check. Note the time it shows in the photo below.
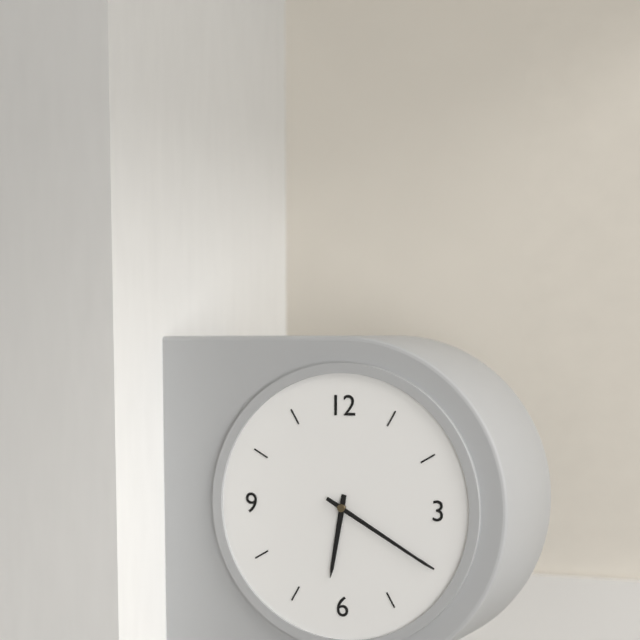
6:20
